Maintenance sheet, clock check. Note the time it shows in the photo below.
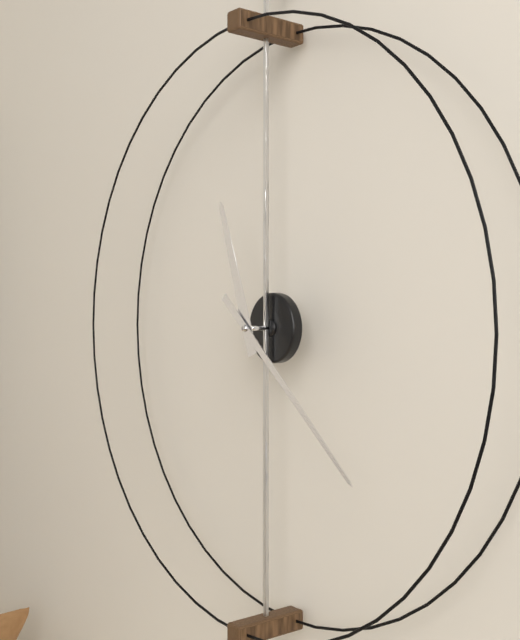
11:22
